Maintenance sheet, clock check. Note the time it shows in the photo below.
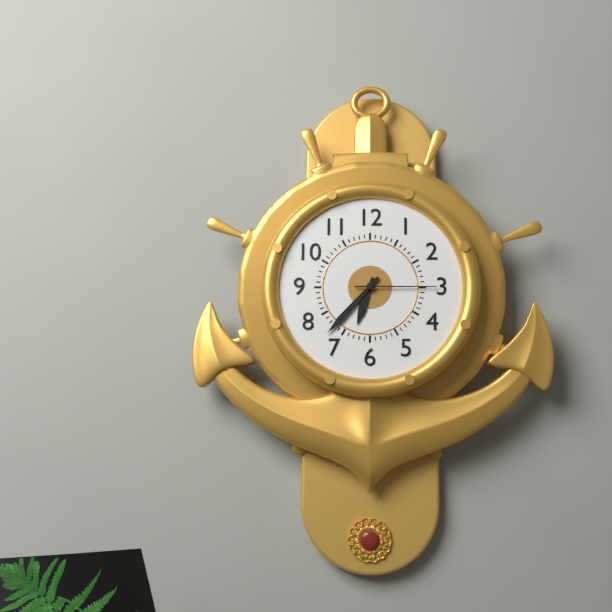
6:37:15
